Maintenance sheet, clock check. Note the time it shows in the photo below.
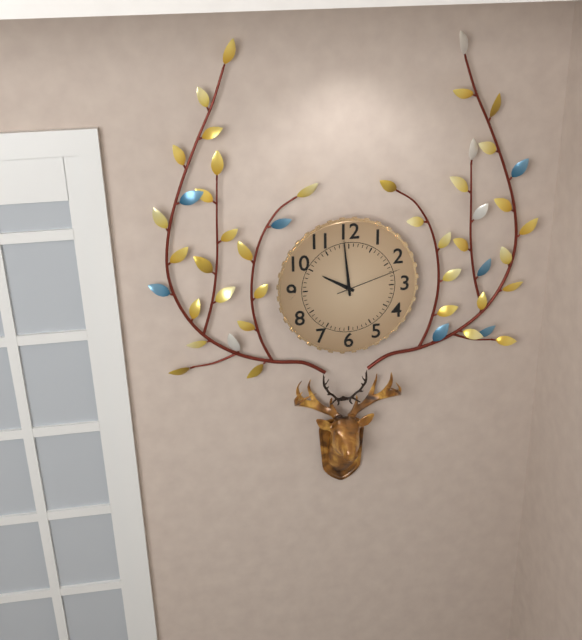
9:59:12
